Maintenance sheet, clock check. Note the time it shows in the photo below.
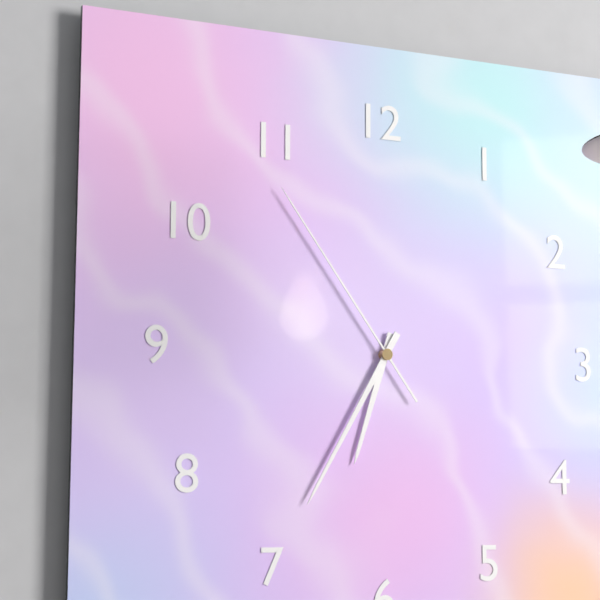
6:35:54
